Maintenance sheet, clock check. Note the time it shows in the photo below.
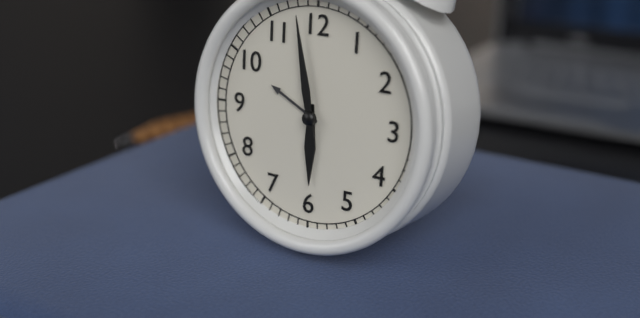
5:58
